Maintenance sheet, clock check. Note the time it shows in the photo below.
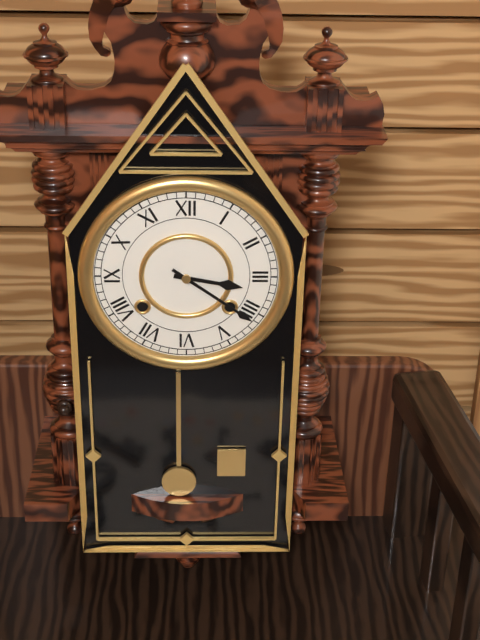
3:21
